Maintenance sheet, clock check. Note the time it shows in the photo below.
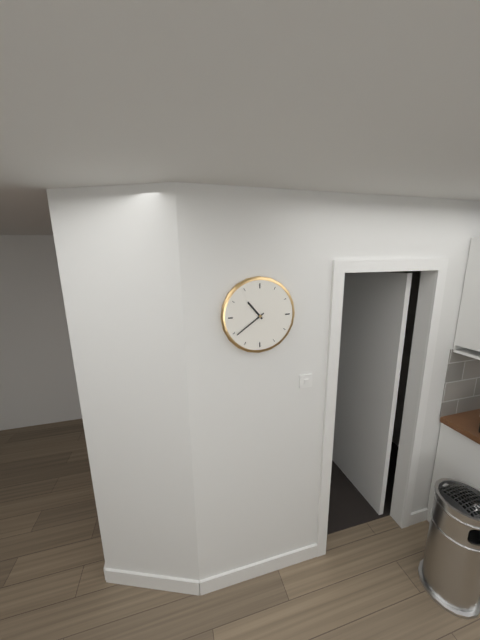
10:39
